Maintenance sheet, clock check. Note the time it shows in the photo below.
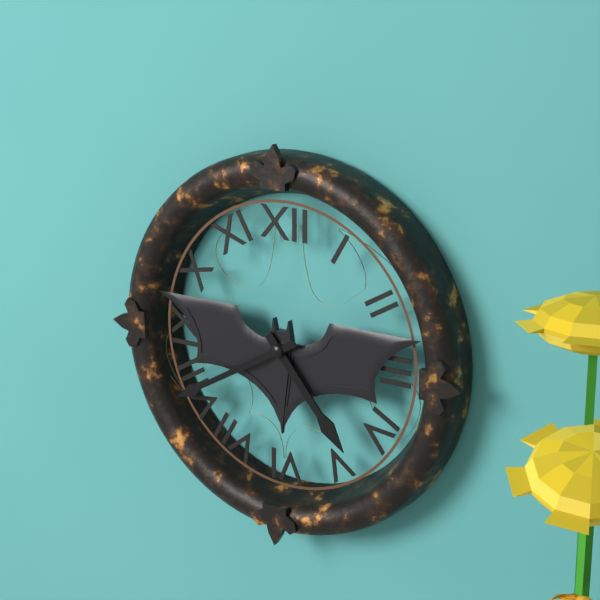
4:40
